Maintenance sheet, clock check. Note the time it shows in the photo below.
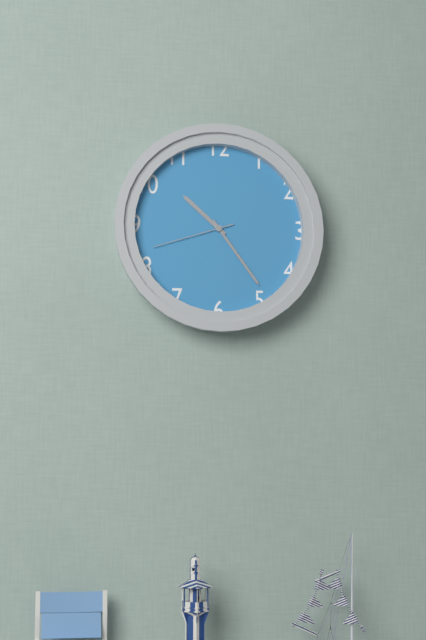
10:24:42
